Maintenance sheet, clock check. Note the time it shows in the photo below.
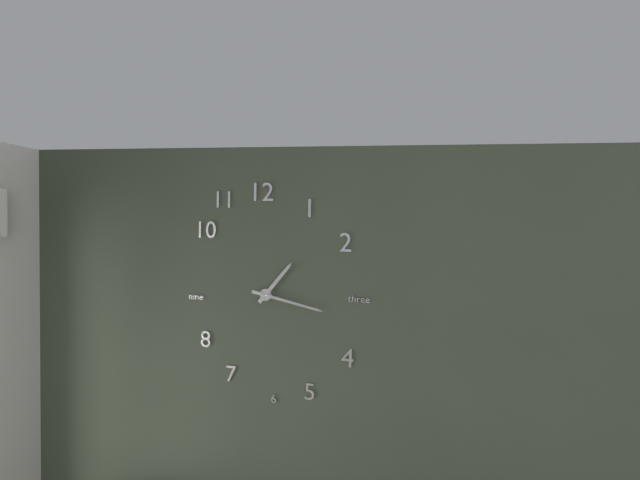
1:17
